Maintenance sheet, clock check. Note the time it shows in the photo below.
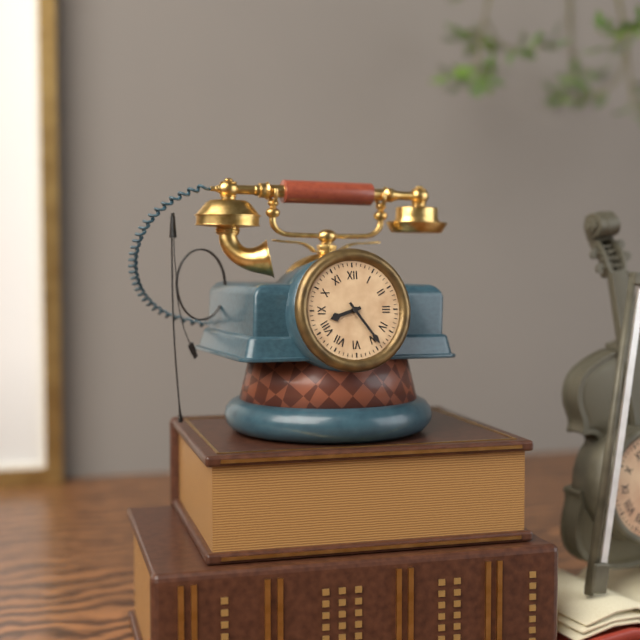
8:24
